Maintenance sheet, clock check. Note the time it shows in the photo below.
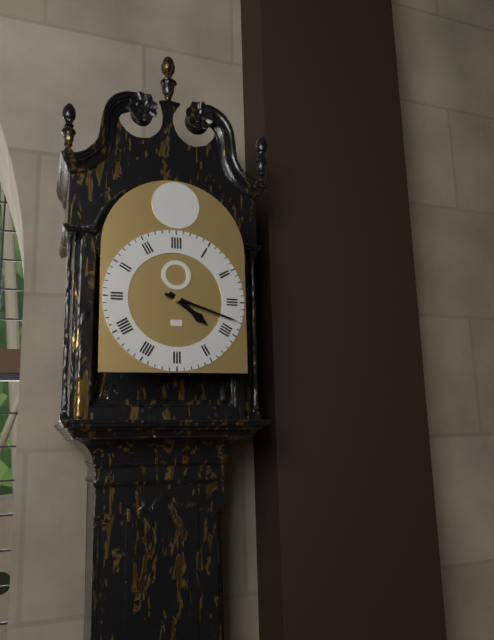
4:18
